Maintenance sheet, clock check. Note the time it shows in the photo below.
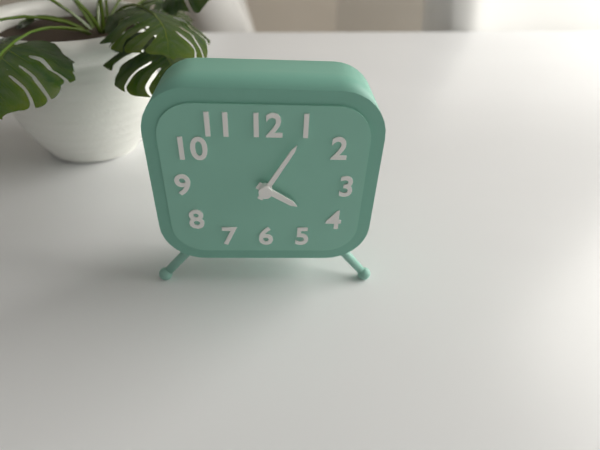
4:05
